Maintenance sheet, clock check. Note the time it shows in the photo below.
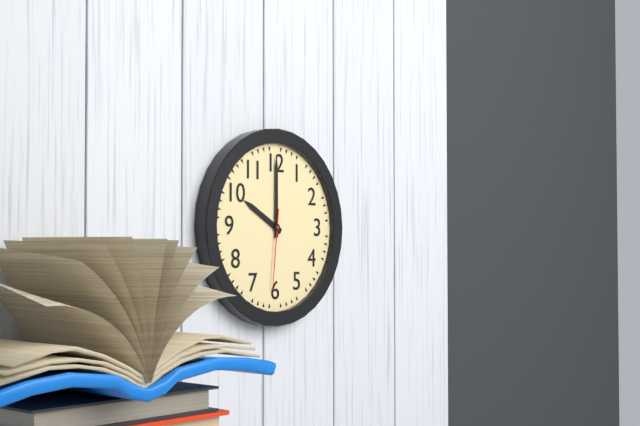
10:00:31
